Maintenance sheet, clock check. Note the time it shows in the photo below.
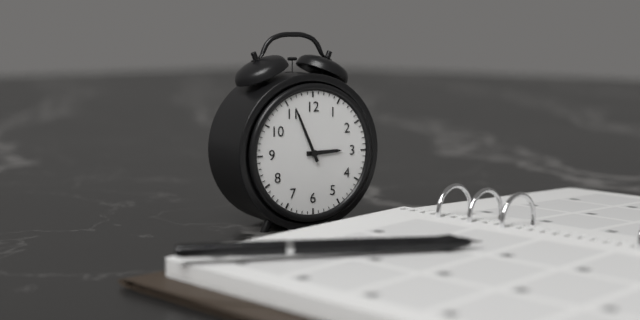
2:56
